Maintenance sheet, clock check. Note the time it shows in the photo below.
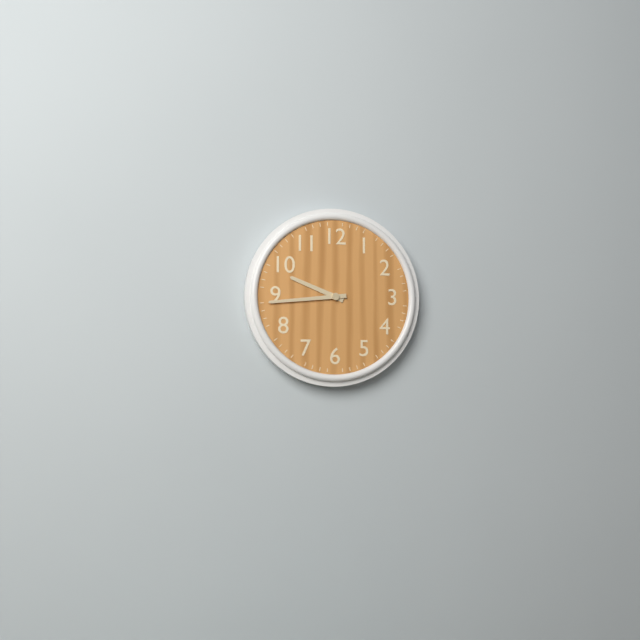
9:44
